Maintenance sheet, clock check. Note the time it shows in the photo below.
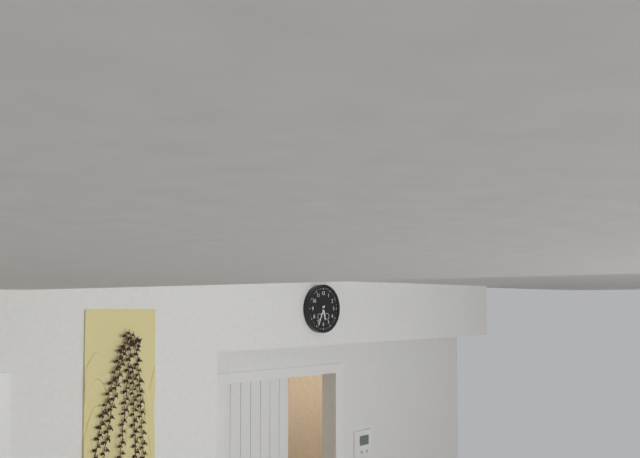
5:34
